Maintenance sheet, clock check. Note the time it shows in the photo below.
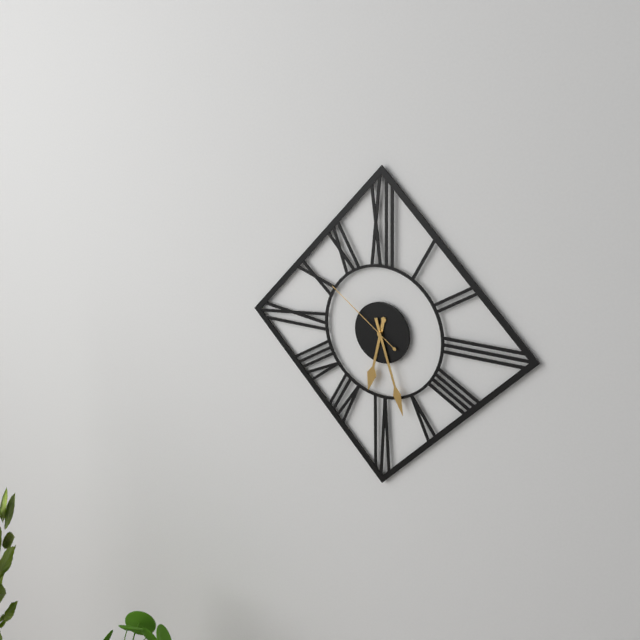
6:27:51
